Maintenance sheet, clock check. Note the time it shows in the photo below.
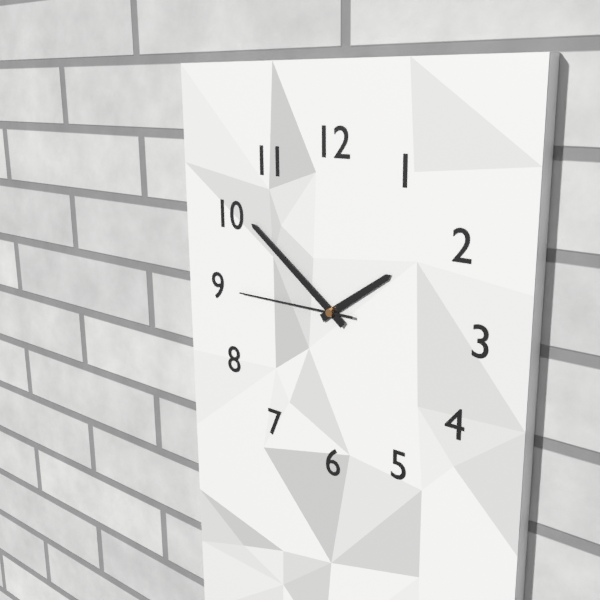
1:51:45
